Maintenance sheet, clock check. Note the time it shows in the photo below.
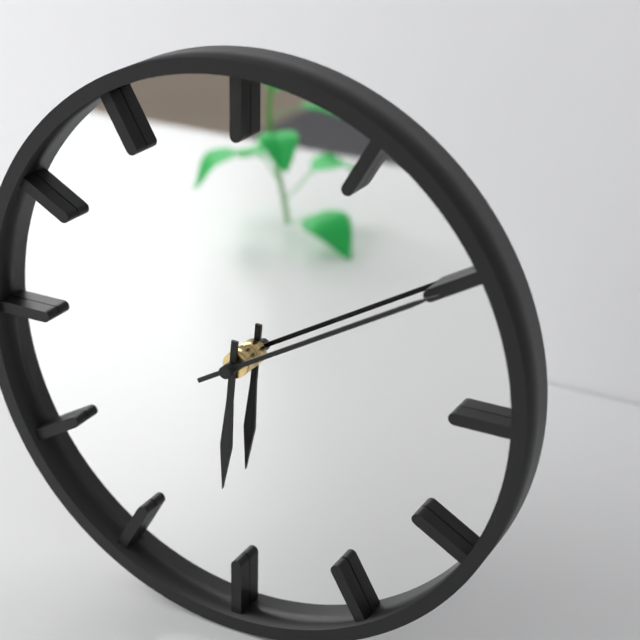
6:10
